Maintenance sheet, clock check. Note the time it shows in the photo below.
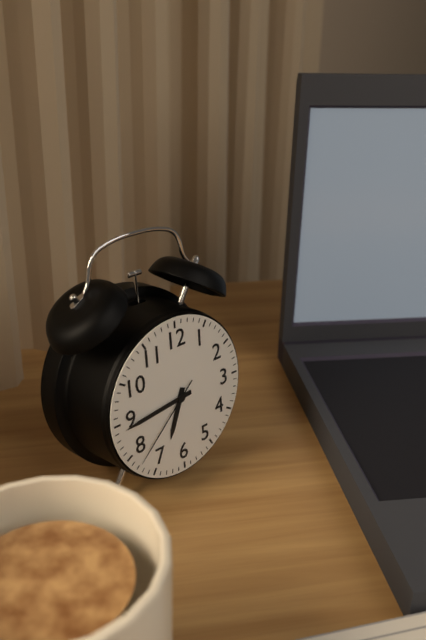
6:44:38
